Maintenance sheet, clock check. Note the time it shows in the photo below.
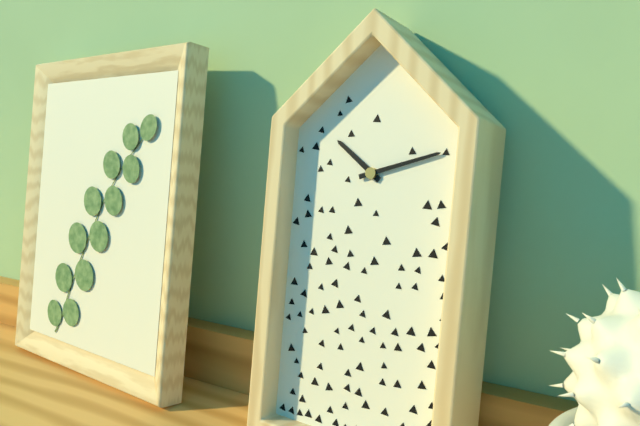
10:12
